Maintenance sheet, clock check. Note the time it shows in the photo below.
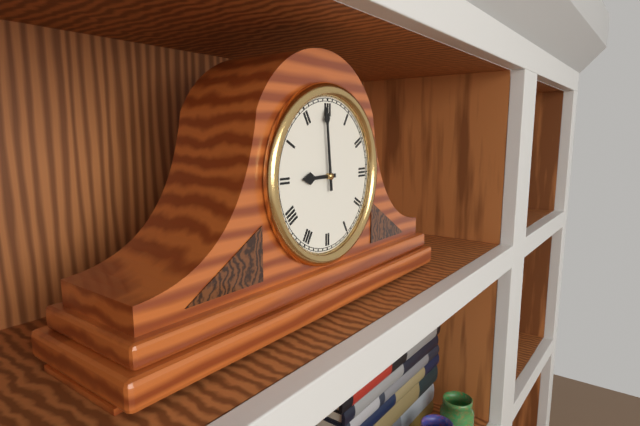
8:59
